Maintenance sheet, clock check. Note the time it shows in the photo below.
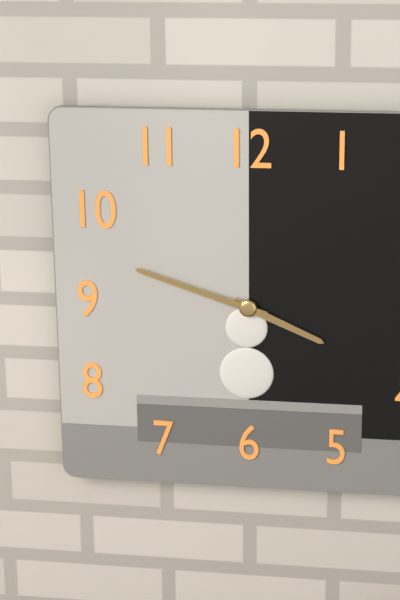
3:48
